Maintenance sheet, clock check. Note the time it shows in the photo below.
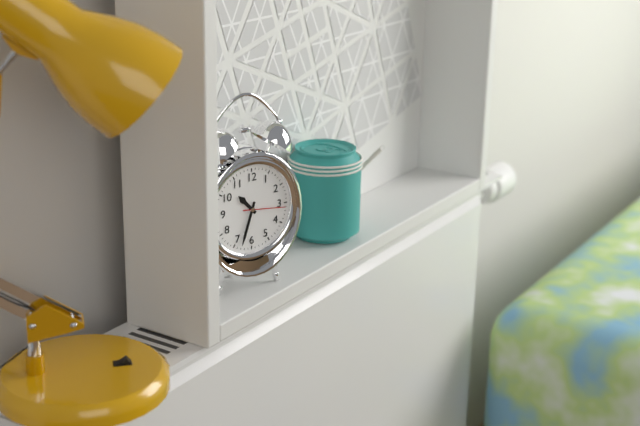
10:33
